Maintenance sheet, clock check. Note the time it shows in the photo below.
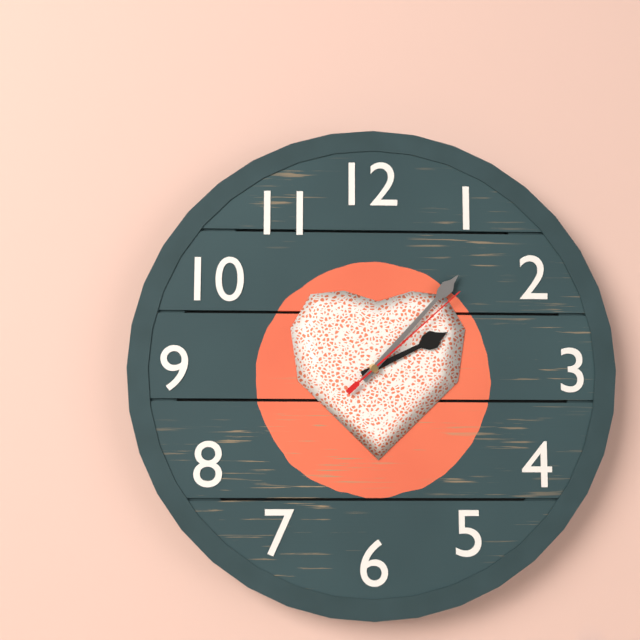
2:07:08
